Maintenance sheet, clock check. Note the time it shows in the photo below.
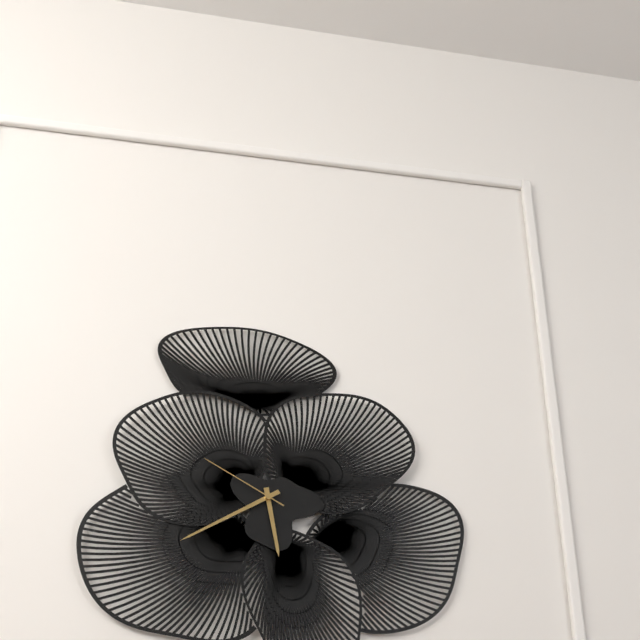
5:40:50
